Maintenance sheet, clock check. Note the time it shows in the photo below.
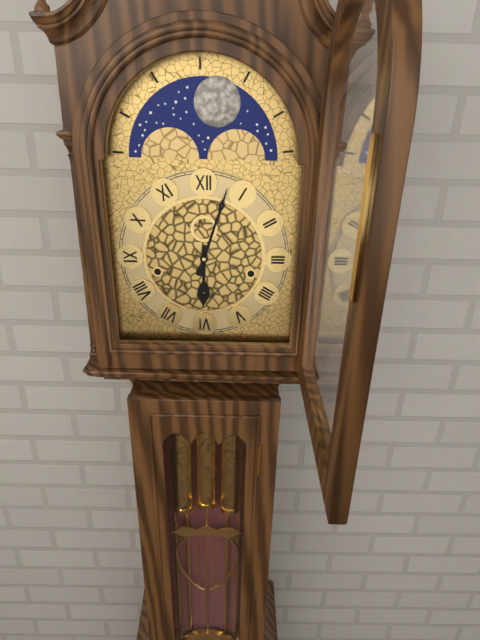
6:03
